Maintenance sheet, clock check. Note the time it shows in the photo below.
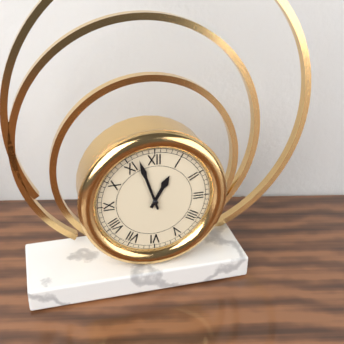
12:57
